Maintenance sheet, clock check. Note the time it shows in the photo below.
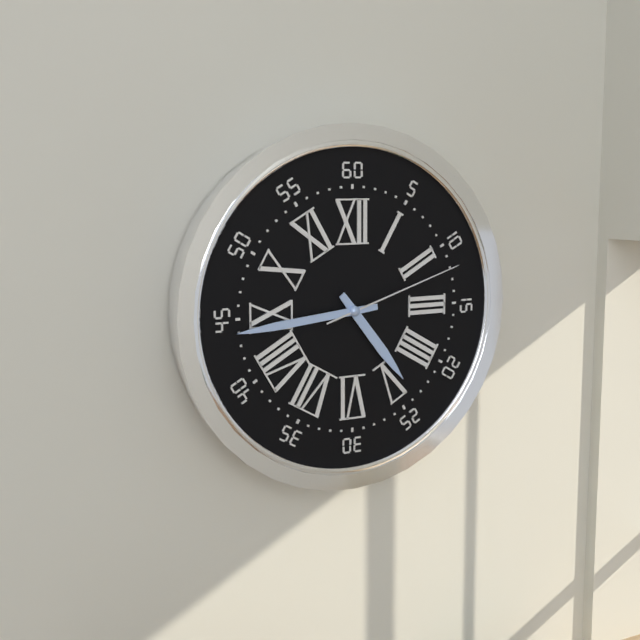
4:44:12
